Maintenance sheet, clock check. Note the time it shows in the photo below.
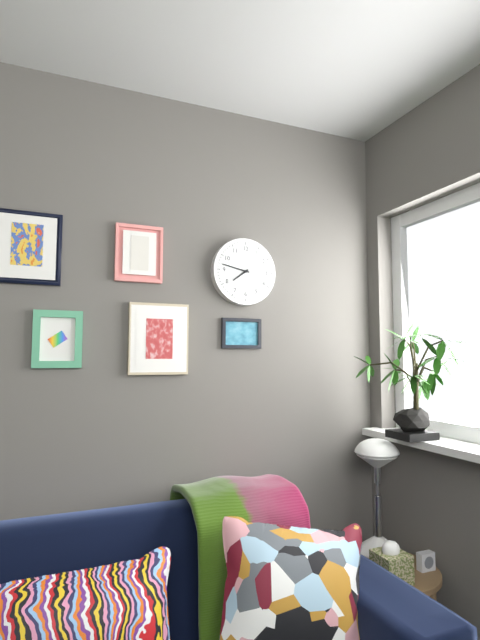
7:47
